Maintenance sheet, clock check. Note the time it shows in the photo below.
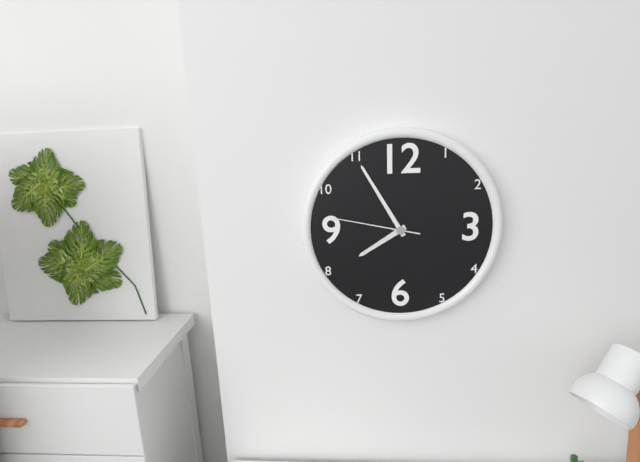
7:55:47
